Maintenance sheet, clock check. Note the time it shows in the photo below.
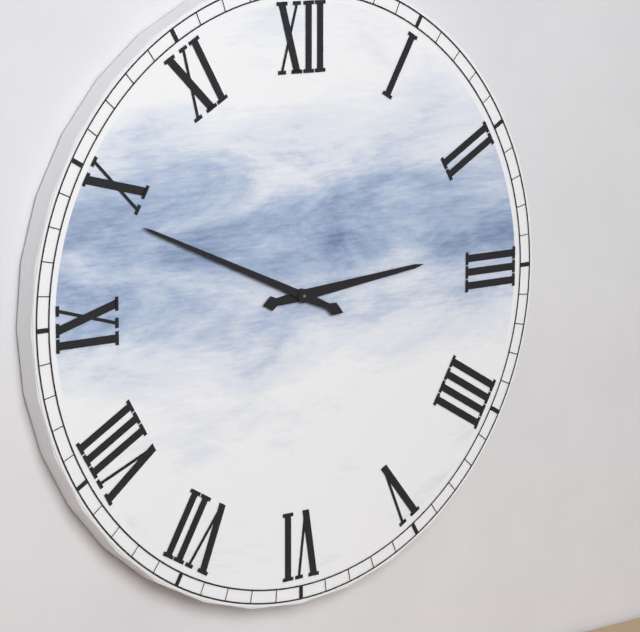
2:49
